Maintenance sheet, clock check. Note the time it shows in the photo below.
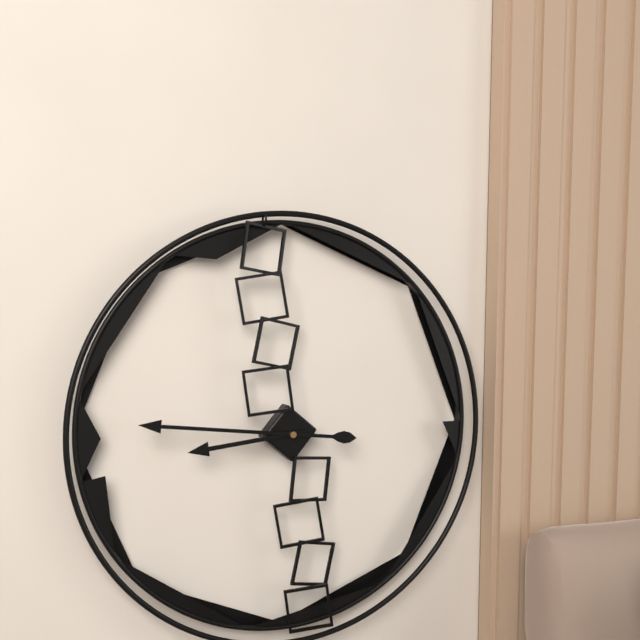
8:46
